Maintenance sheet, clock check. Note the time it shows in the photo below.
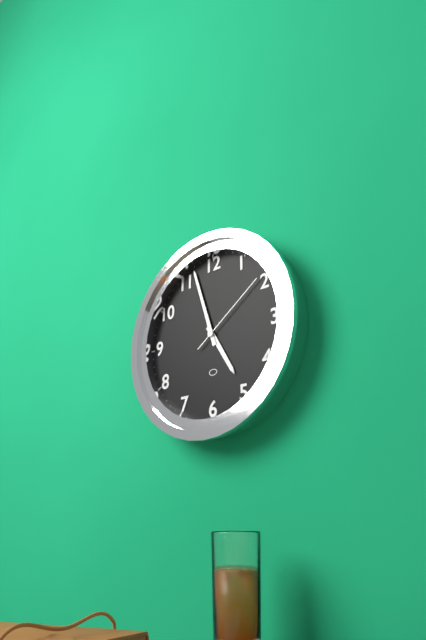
4:57:09
